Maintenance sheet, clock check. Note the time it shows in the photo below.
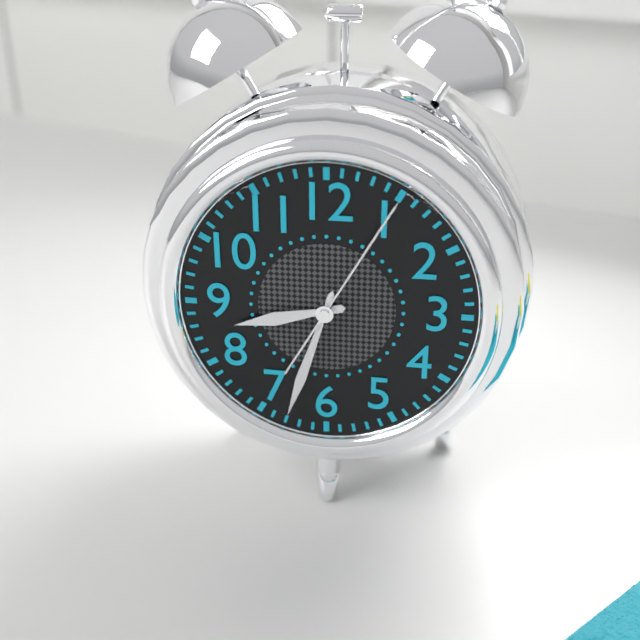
8:33:05
